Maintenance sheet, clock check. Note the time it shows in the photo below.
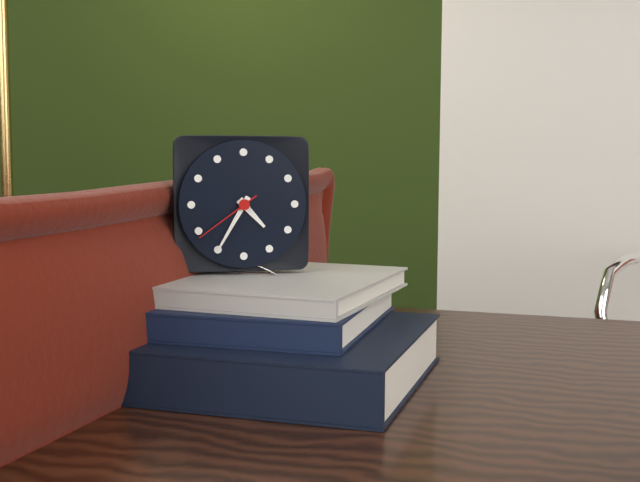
4:35:39
